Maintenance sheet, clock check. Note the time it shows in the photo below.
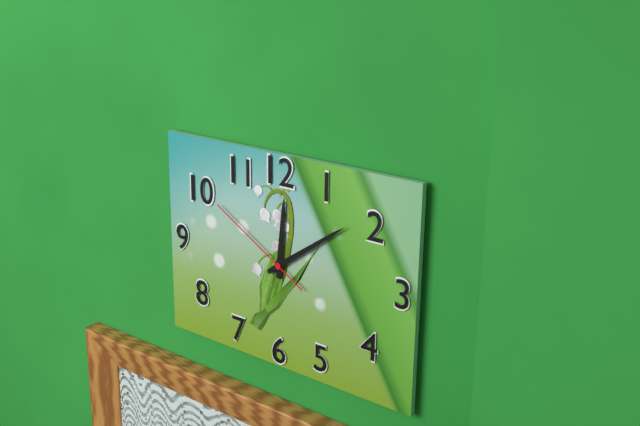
12:09:50
